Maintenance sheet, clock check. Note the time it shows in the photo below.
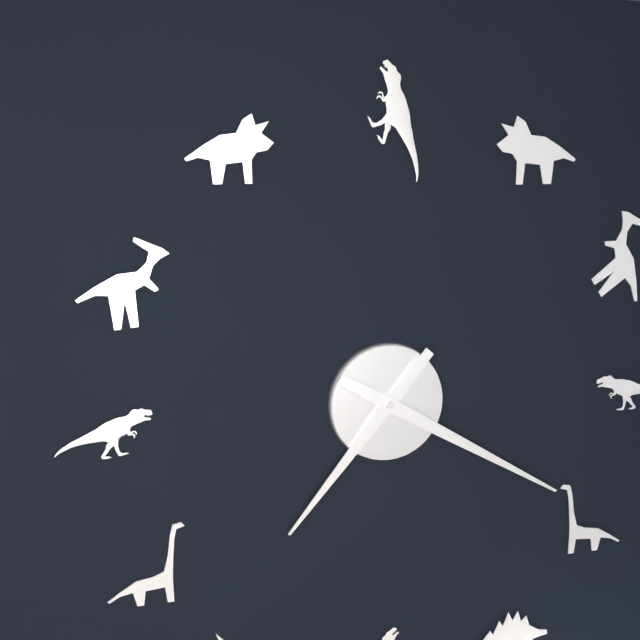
7:20
